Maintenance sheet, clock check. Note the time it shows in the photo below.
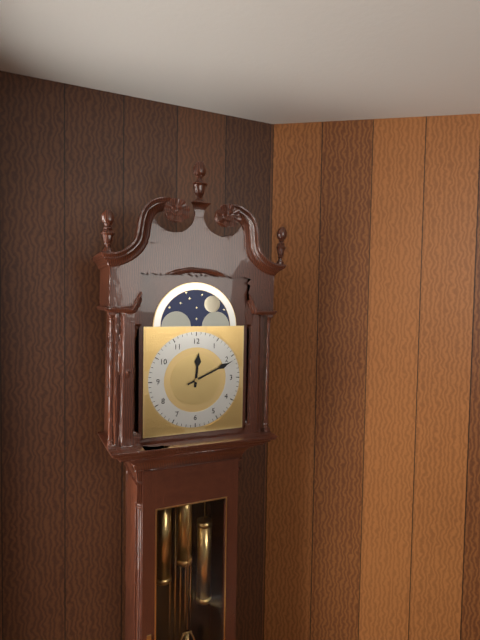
12:11
